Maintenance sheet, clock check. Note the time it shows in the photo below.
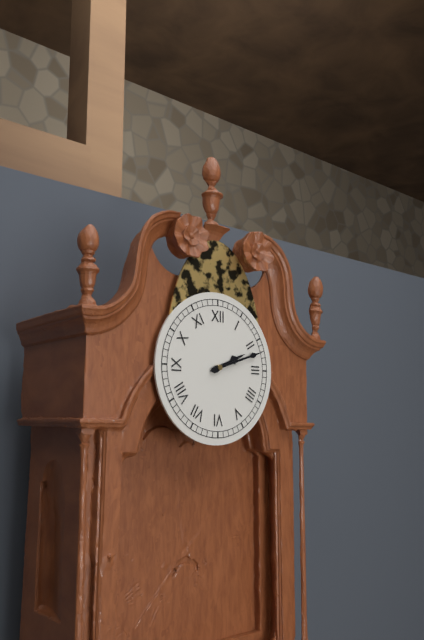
2:12
